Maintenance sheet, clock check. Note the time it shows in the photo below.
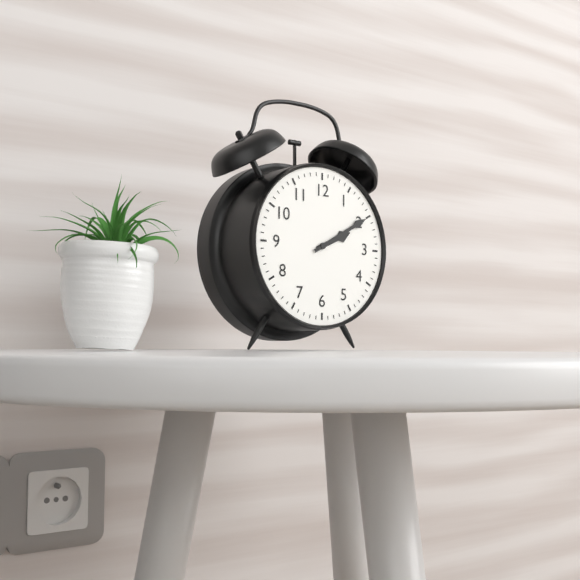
2:10
